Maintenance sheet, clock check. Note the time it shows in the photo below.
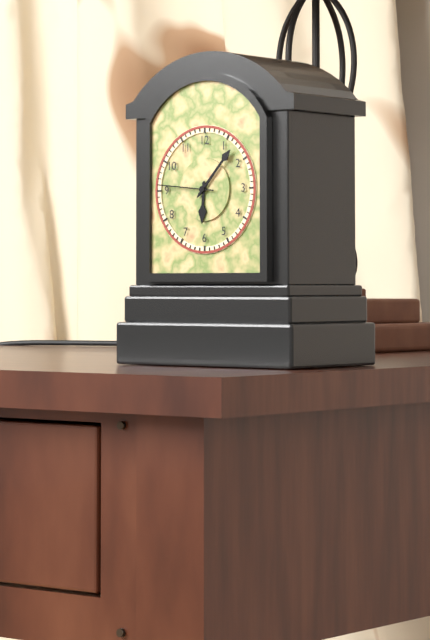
6:07:46
